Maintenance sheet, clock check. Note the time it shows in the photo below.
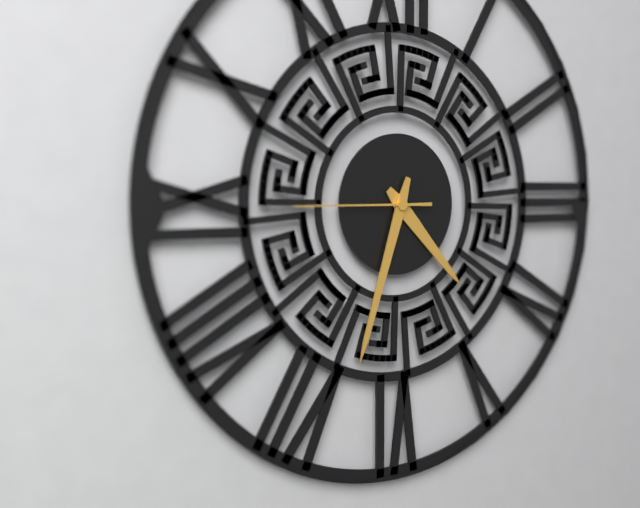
4:33:45
